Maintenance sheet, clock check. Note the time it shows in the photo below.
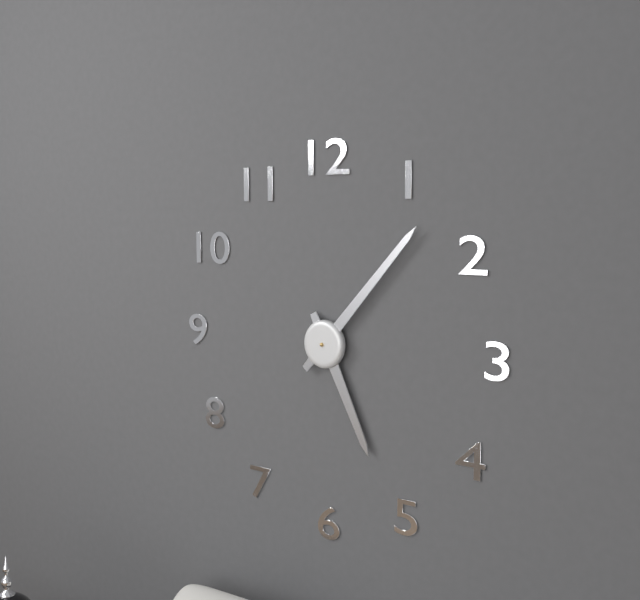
5:07
